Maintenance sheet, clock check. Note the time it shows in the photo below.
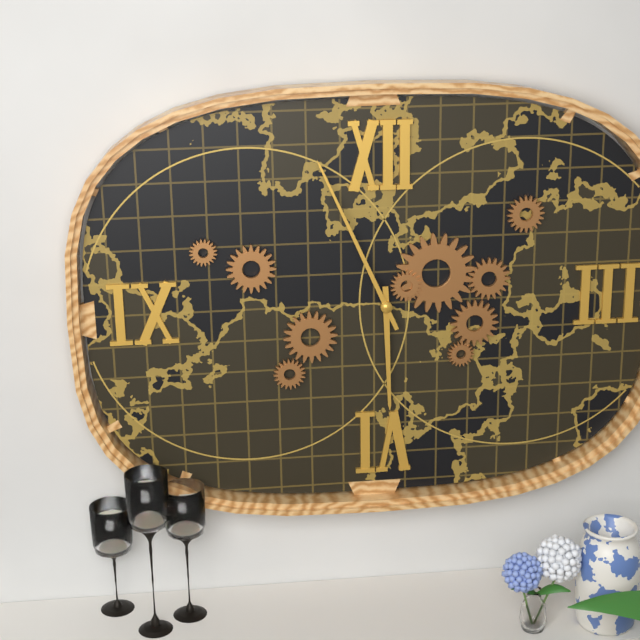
5:56
